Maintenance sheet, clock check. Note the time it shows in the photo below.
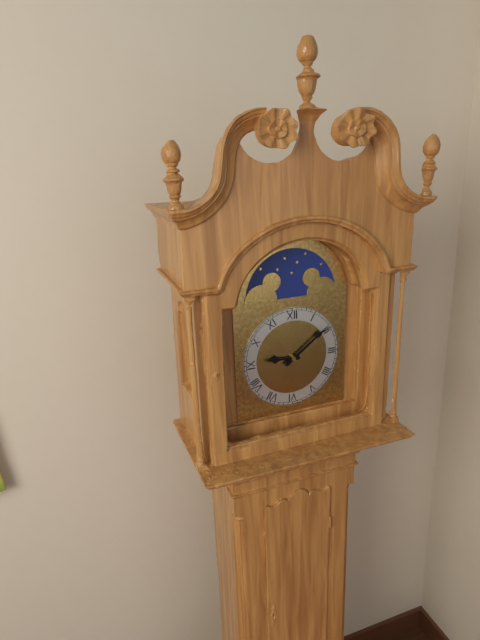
9:09
